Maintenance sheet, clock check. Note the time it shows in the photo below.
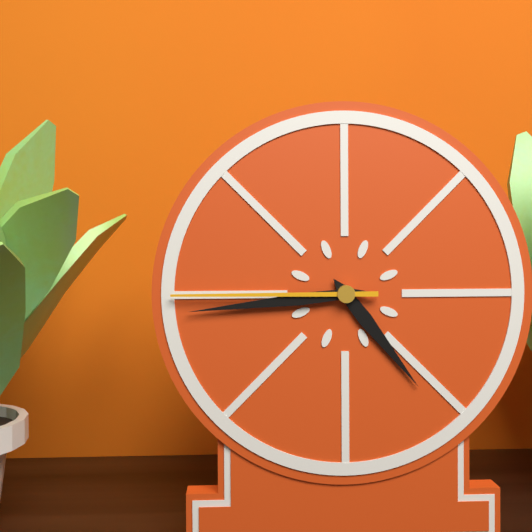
4:44:45
